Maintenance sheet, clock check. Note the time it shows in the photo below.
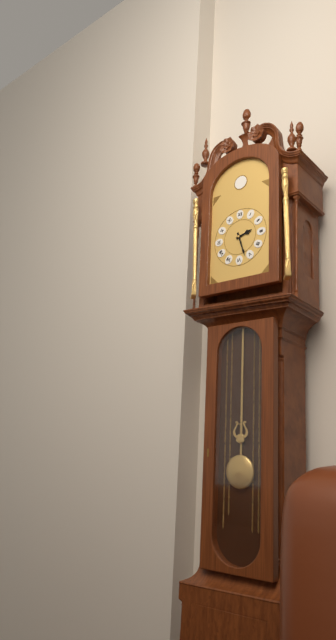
2:27
